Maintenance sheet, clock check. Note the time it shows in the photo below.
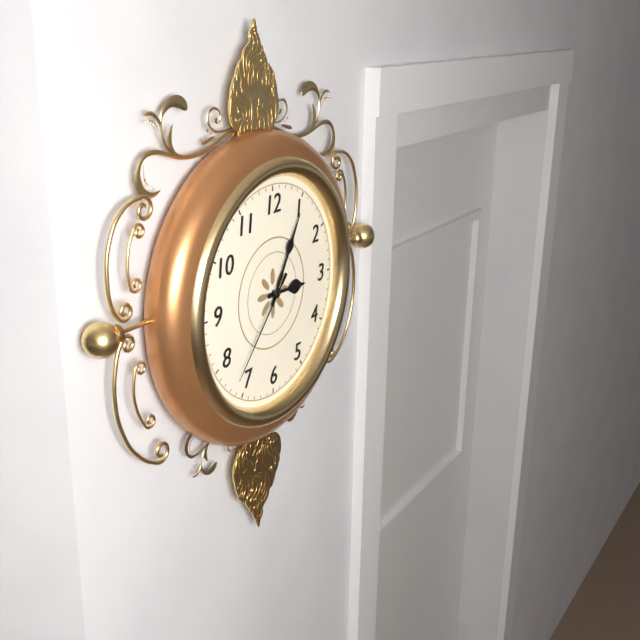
3:05:37
